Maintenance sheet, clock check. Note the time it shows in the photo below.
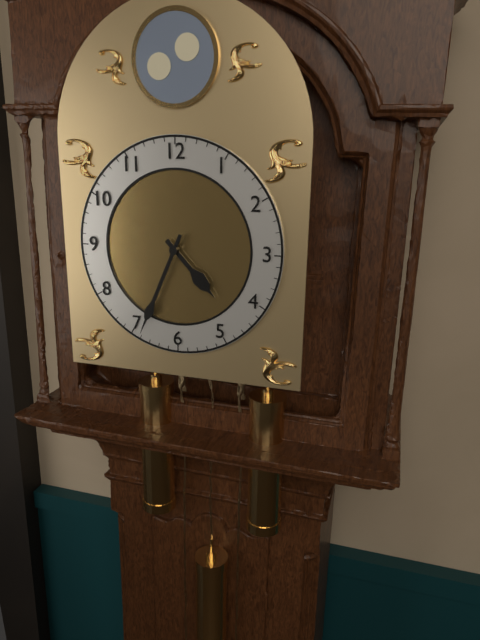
4:34
